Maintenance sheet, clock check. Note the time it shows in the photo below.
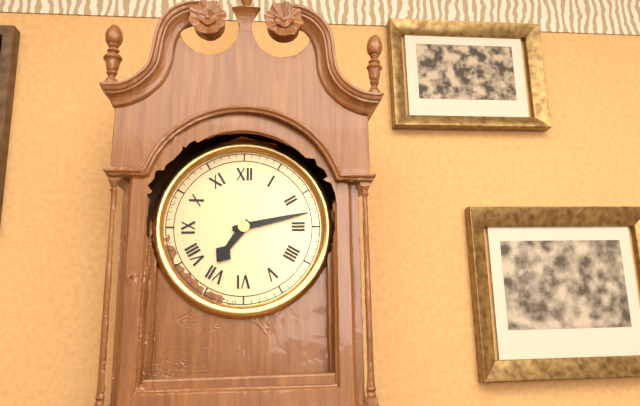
7:13
